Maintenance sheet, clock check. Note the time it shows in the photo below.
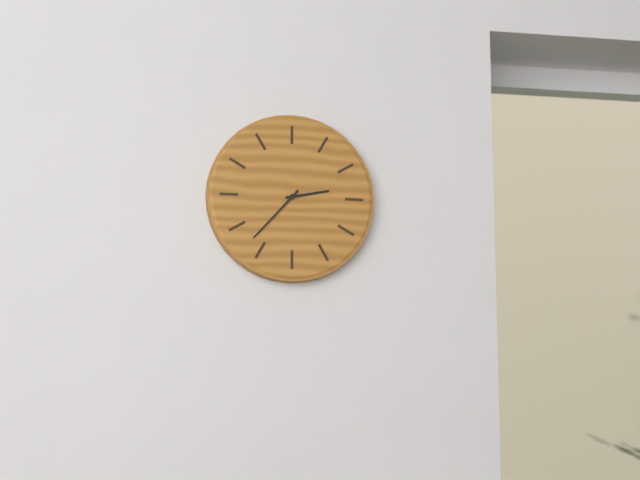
2:37
